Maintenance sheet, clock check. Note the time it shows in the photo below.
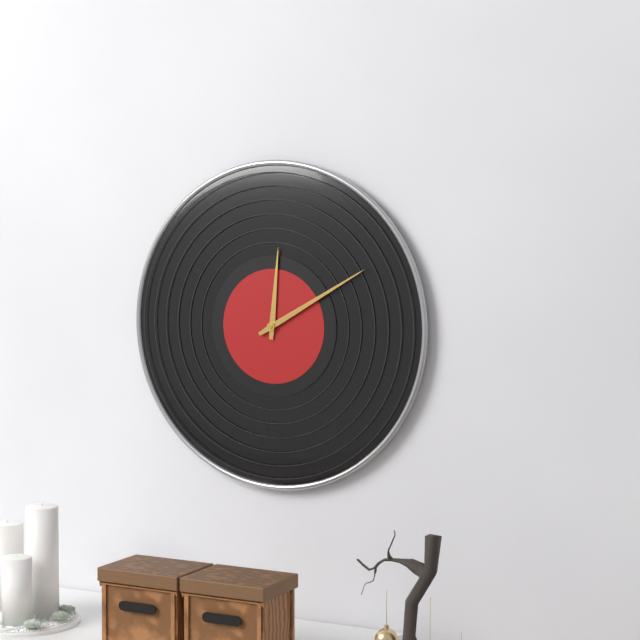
12:10
